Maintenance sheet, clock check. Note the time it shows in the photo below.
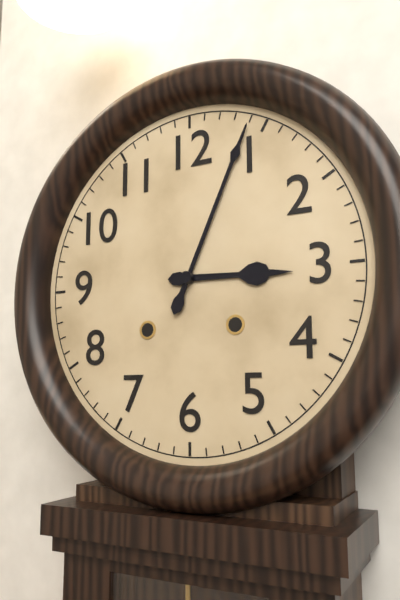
3:04
